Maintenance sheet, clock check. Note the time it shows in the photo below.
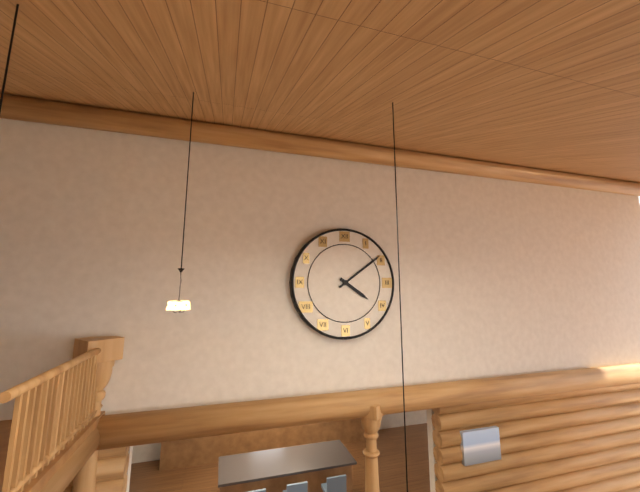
4:09
